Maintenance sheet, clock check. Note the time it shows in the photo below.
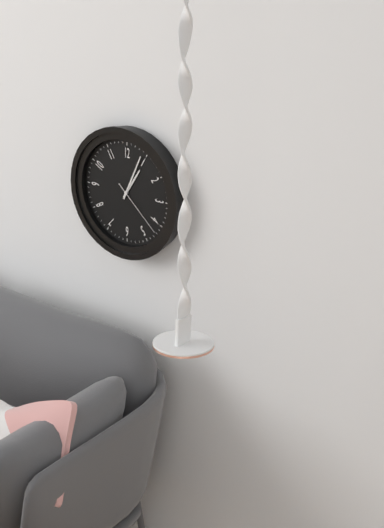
1:04:22
